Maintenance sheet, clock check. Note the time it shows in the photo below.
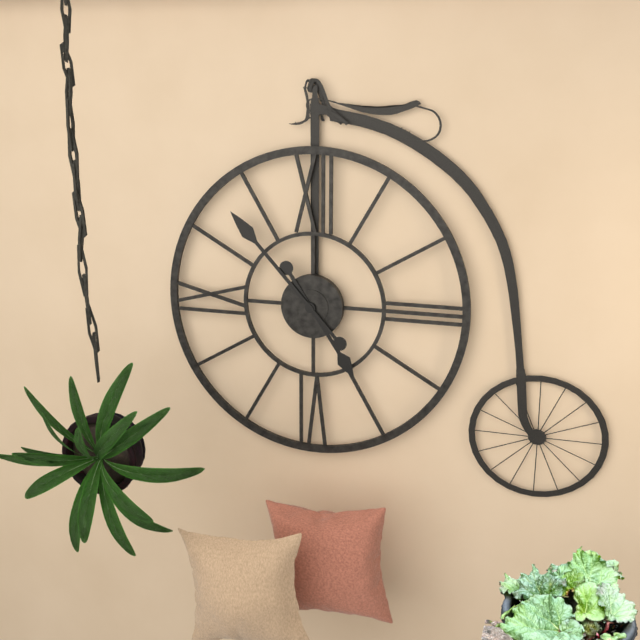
4:53
